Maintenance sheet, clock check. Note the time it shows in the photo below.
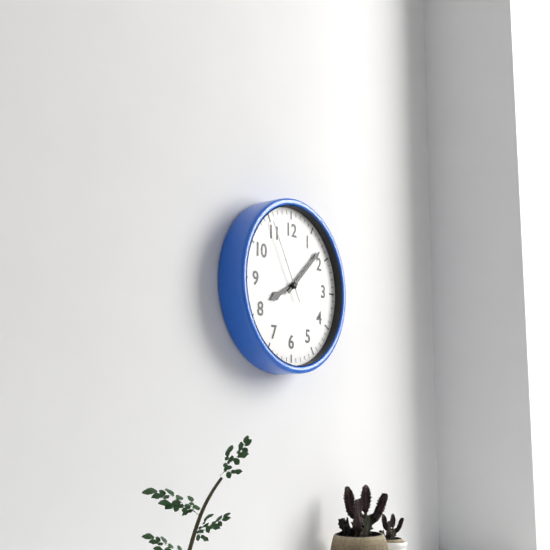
8:08:55
